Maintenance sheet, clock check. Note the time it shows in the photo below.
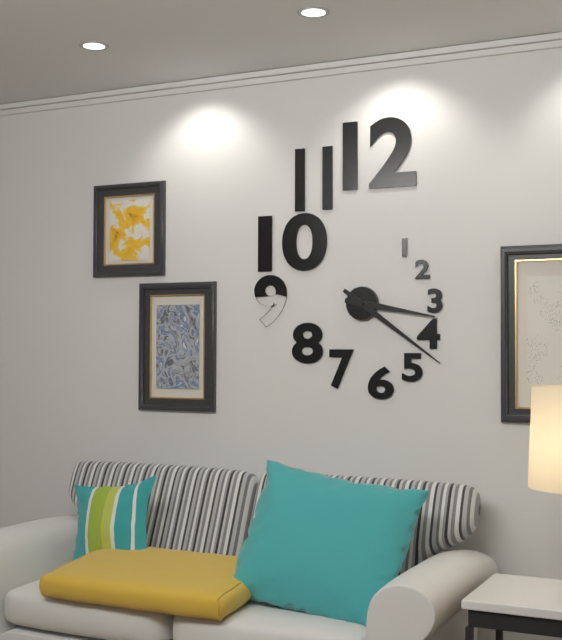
3:21
